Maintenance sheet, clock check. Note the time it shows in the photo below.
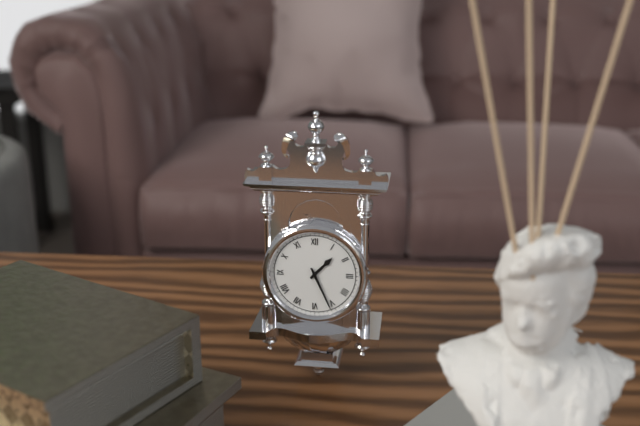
1:26
